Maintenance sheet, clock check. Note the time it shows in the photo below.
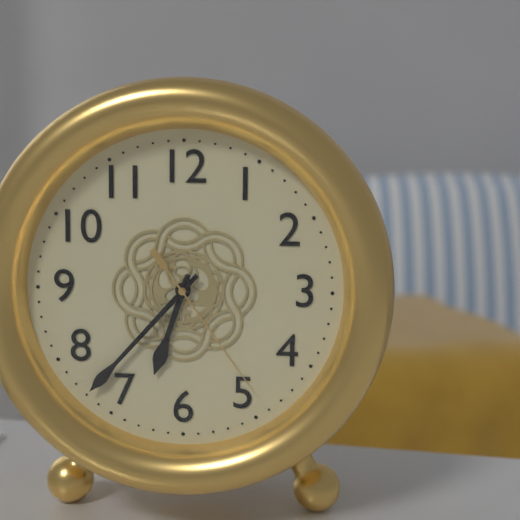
6:37:24
